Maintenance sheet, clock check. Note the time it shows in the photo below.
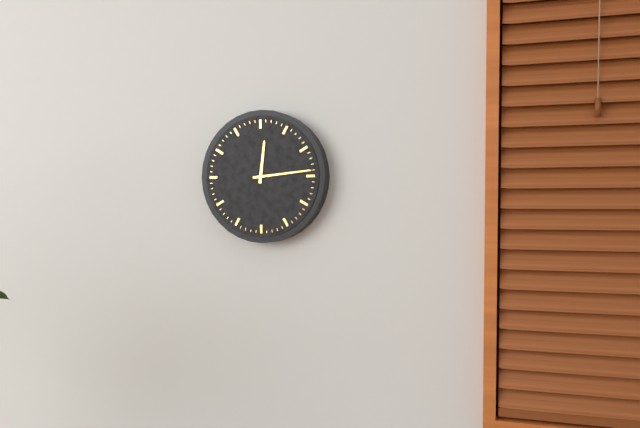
12:14
